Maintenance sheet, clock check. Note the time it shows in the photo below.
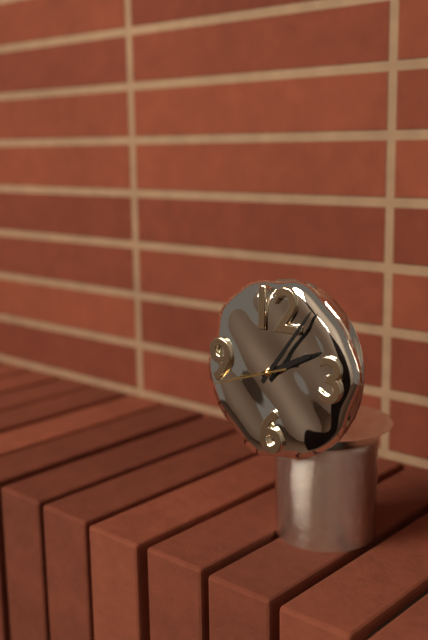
2:06:42
